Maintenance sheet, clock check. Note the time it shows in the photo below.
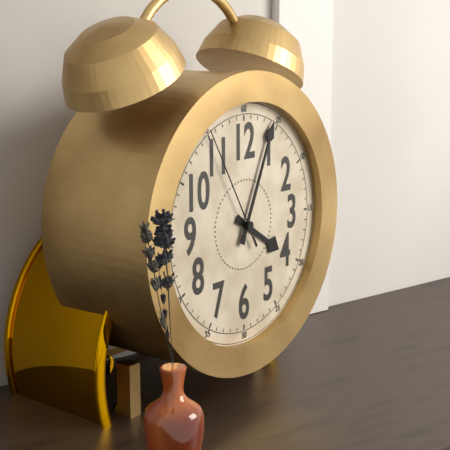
4:04:55
